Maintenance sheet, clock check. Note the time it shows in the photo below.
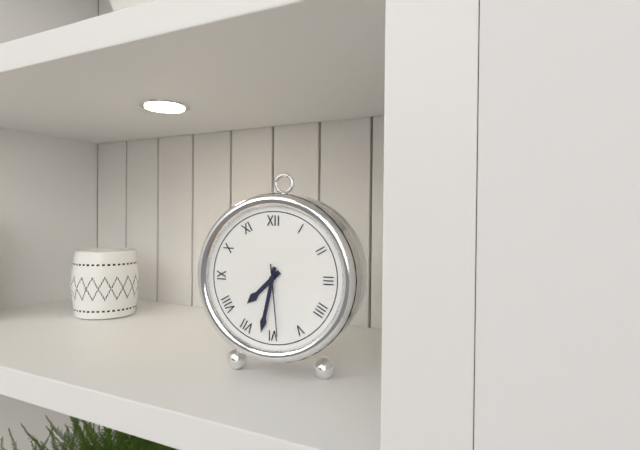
7:32:29
